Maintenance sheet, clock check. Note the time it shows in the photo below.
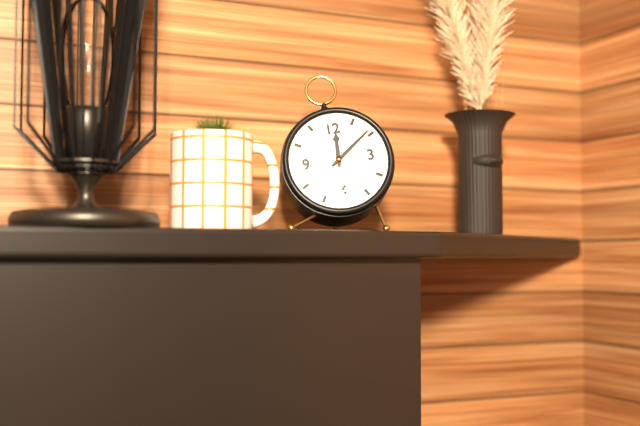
12:09
